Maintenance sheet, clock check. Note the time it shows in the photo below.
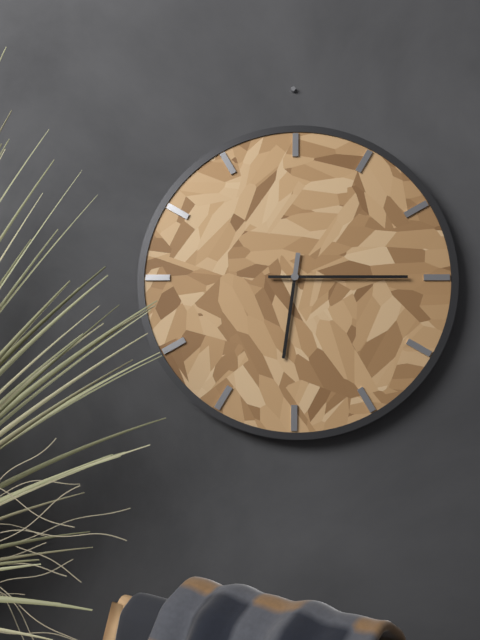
6:15
